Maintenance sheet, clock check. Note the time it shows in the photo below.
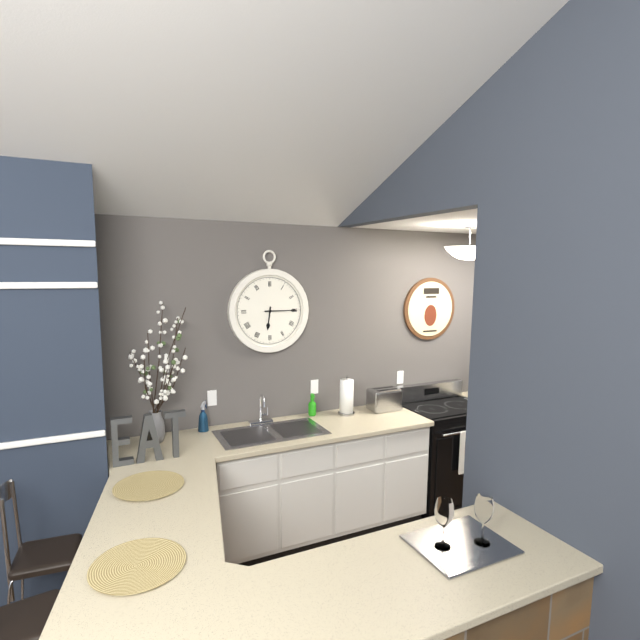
6:15
